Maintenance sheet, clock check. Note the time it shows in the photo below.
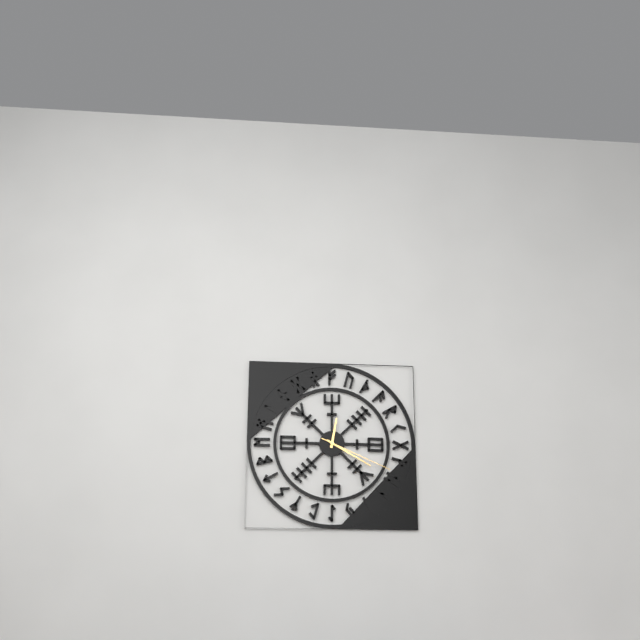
12:20:19
